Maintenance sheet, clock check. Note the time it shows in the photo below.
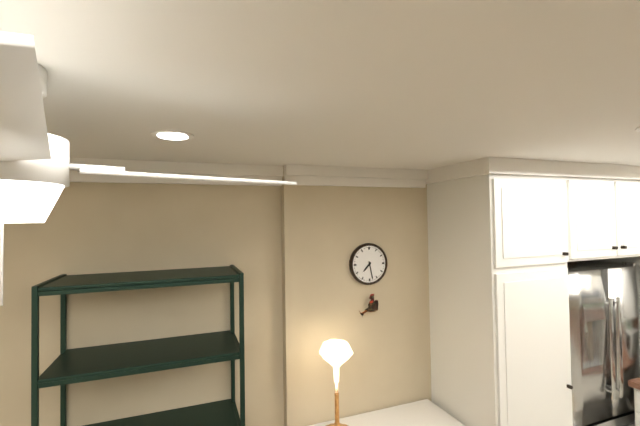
7:28
